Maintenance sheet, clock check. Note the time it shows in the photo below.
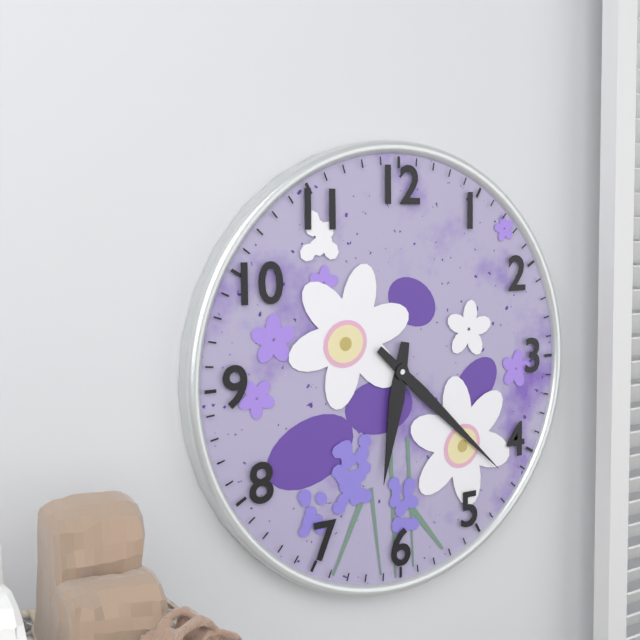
6:22
